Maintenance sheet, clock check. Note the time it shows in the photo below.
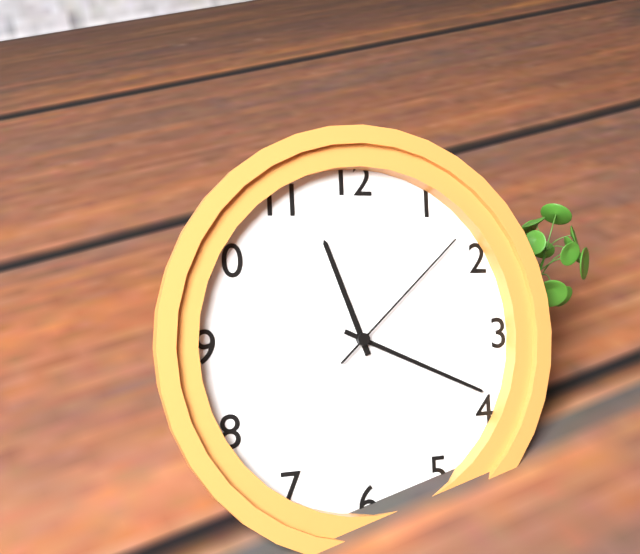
11:19:08
